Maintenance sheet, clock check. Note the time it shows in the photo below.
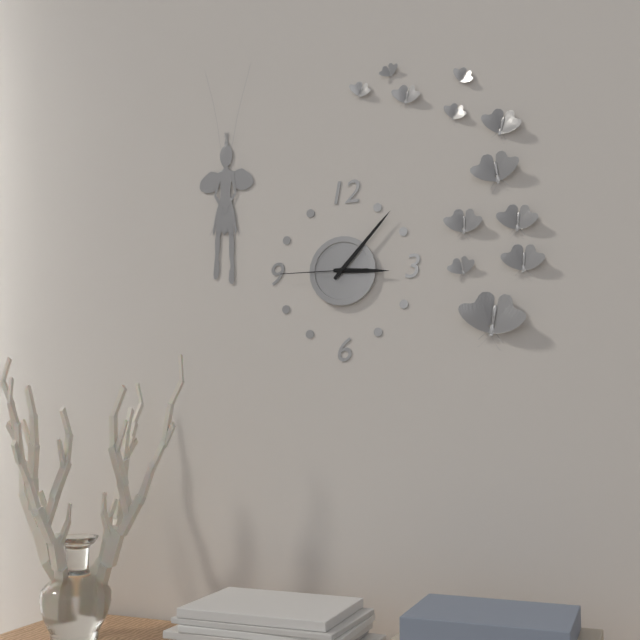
3:07:45
